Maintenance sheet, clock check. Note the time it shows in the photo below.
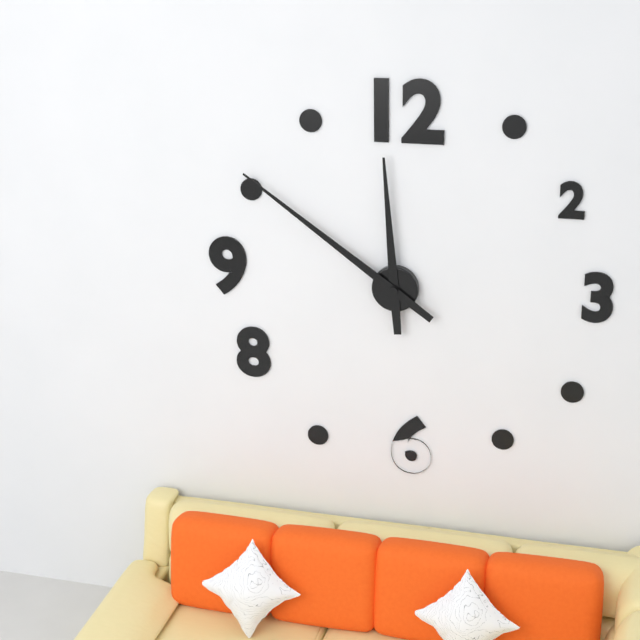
11:51
